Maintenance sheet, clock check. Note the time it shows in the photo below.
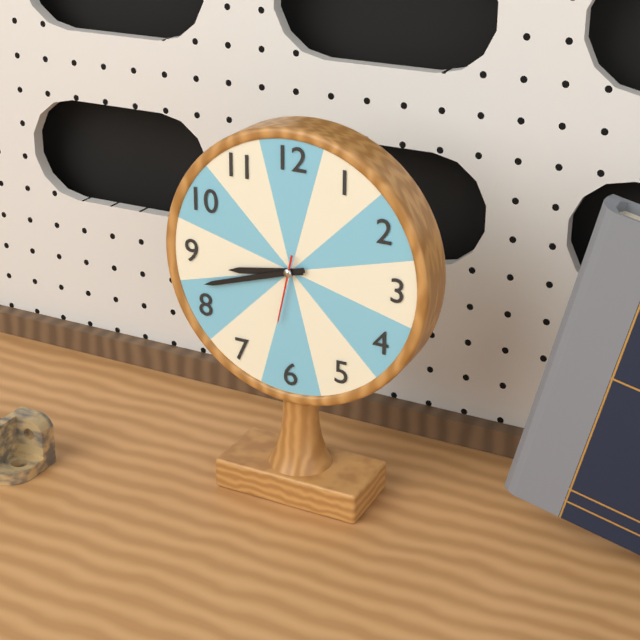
8:42:32
